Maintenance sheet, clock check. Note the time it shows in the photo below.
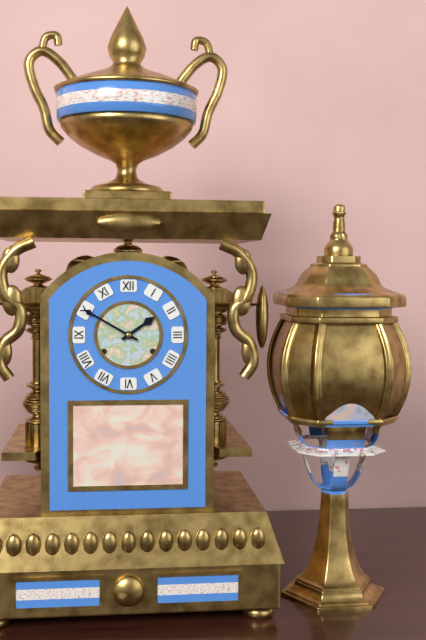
1:50
